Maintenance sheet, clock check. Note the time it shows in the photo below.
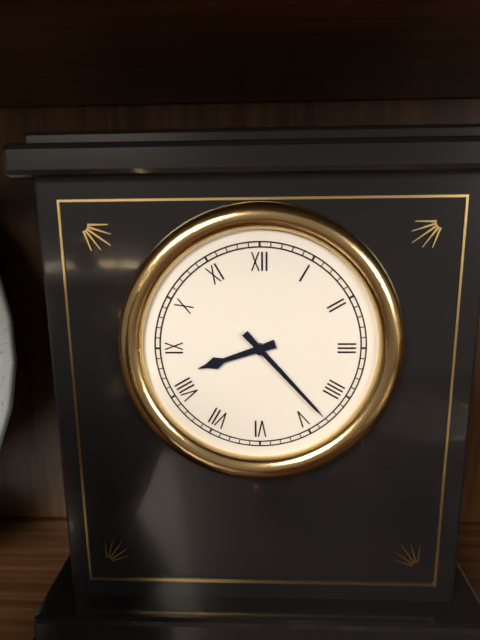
8:23
